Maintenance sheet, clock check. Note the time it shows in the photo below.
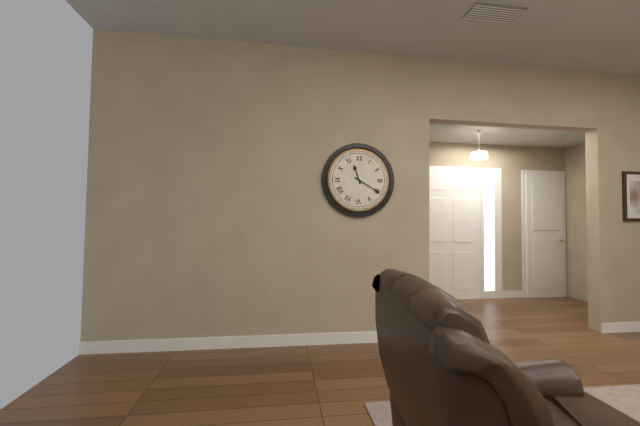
11:20
